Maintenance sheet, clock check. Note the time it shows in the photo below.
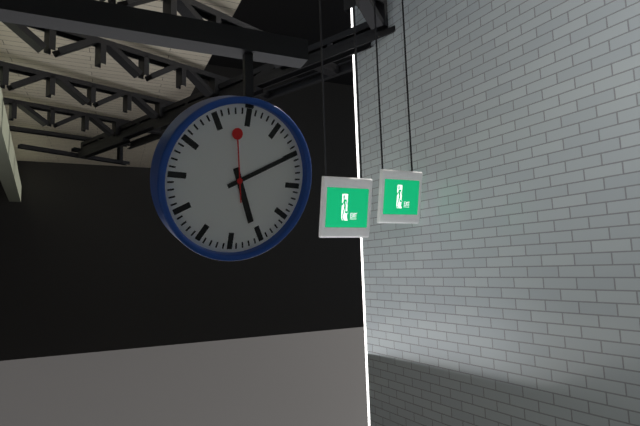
5:10:58
